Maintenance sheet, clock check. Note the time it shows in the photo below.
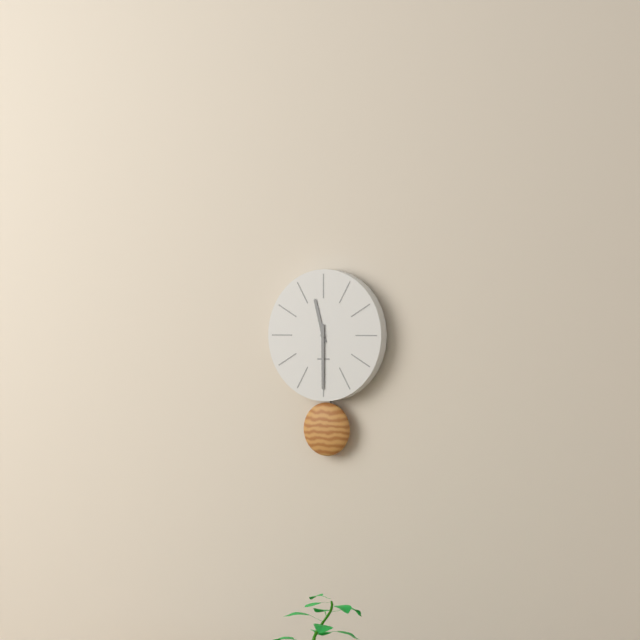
11:30
